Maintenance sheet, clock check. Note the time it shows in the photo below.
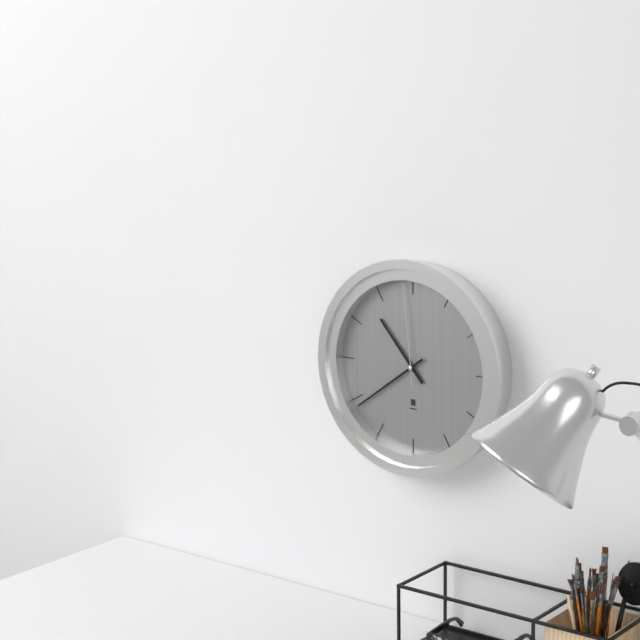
10:39:59
